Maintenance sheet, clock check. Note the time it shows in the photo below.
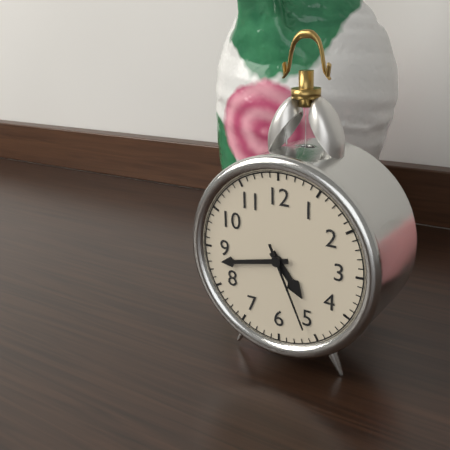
4:43:26
